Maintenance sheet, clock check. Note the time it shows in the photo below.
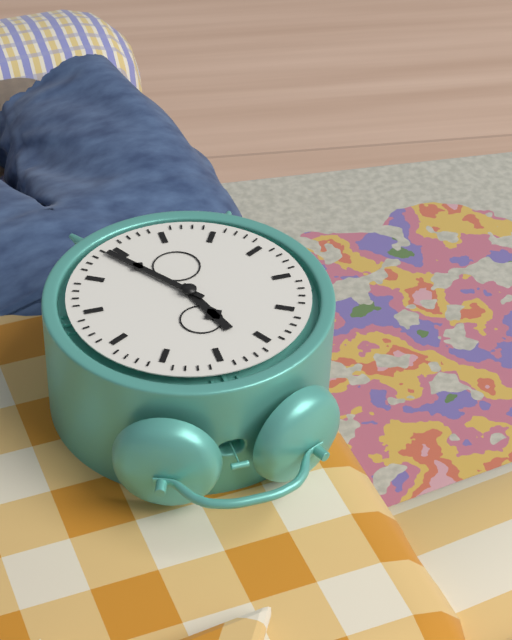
11:24
